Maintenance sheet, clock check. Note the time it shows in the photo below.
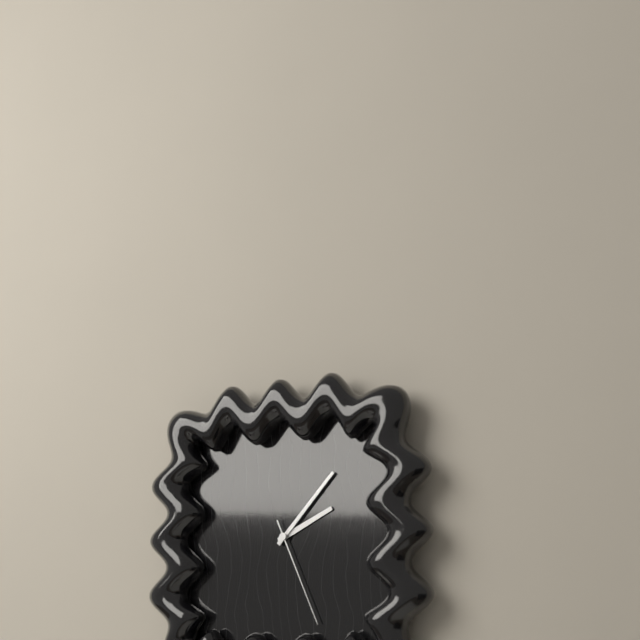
2:07:26
